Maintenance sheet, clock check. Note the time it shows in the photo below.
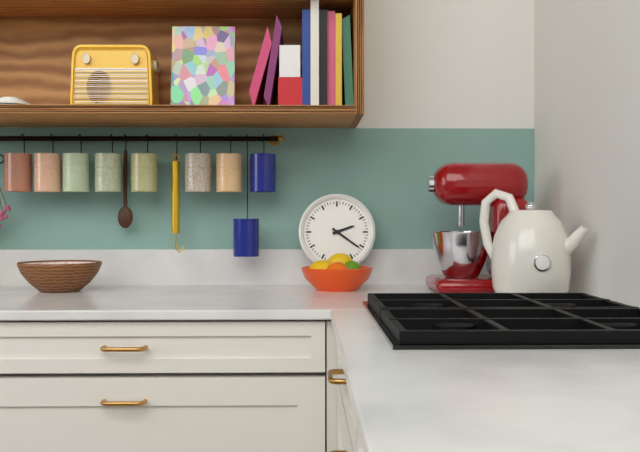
2:21
